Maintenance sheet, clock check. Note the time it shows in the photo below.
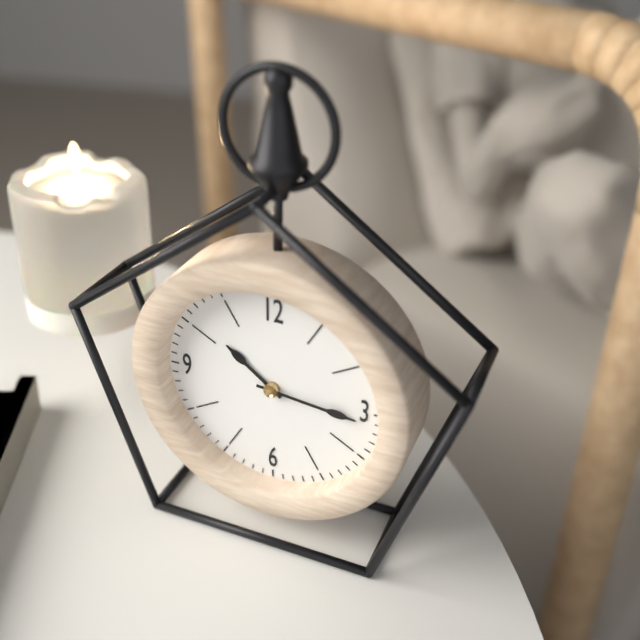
10:16
